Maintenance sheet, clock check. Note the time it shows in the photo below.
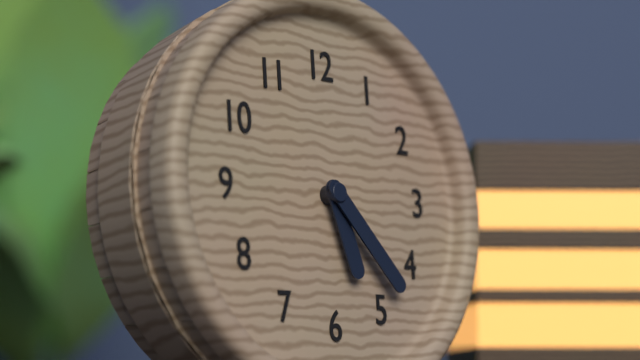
5:23
